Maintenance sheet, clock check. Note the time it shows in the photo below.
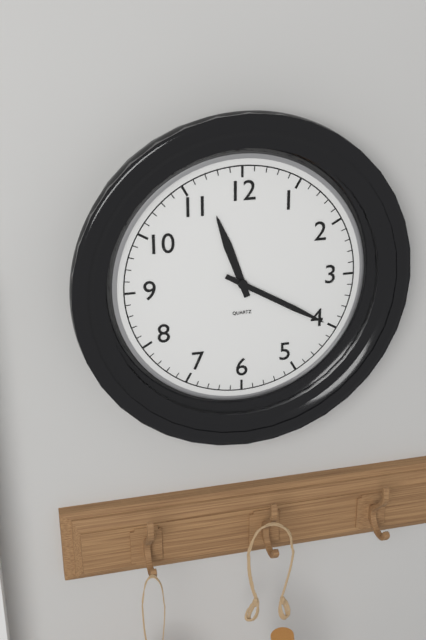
11:20
